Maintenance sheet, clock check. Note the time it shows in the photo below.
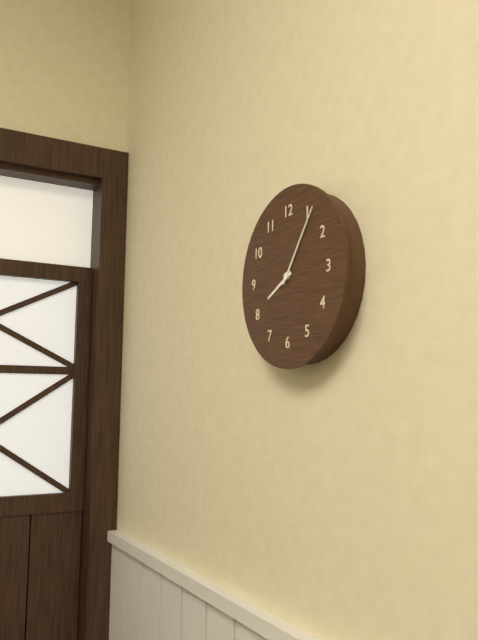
8:06
